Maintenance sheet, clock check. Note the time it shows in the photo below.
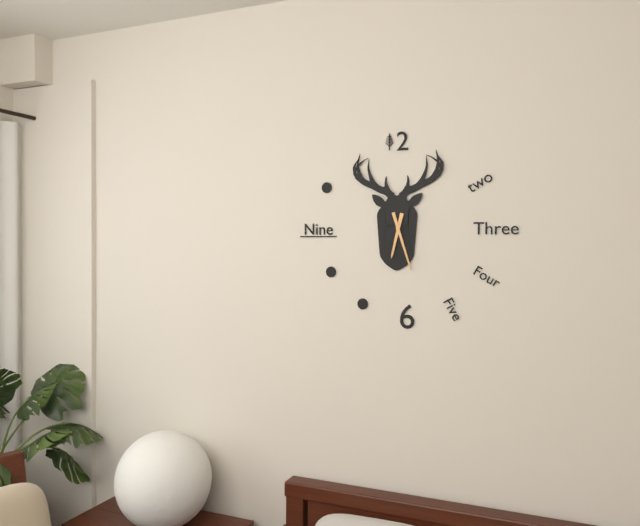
6:27
